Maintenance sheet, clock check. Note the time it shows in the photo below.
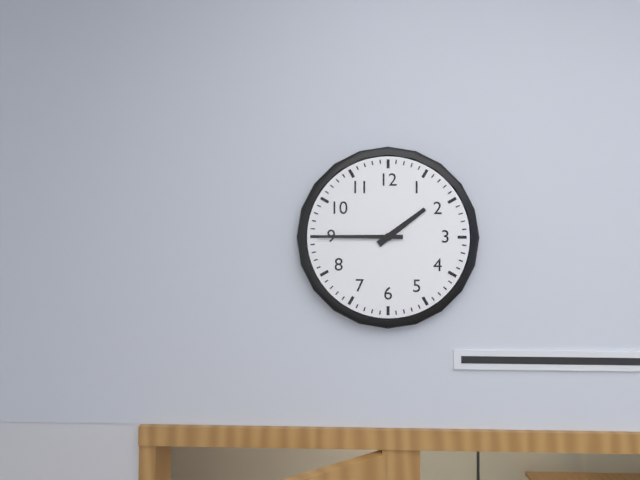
1:45
